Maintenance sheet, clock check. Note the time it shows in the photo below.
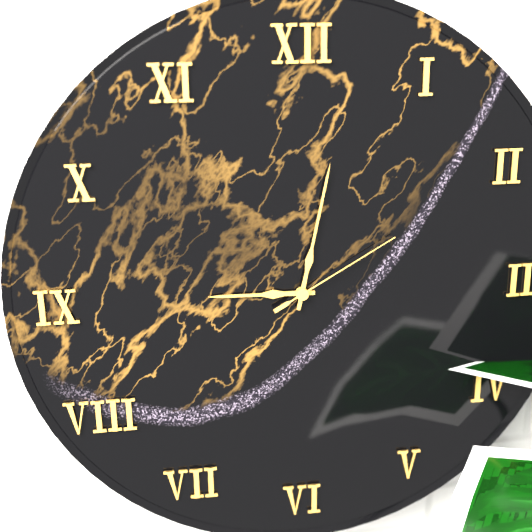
9:02:10
